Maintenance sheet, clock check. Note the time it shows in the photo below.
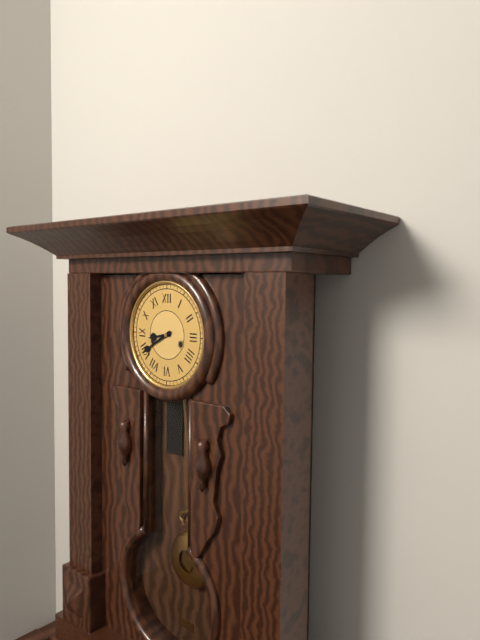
8:40
